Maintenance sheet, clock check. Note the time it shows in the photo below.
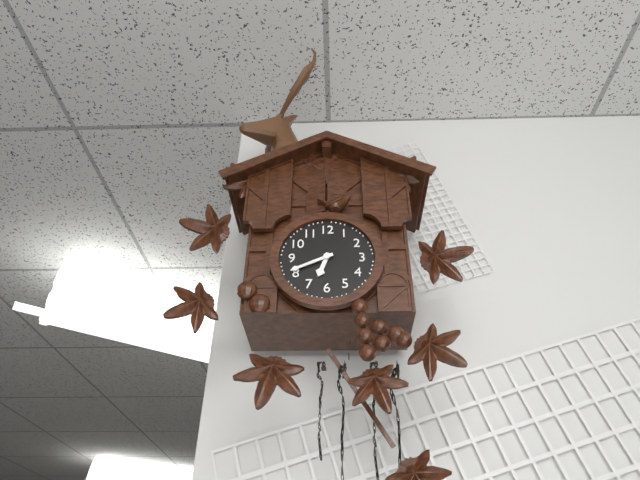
6:41
